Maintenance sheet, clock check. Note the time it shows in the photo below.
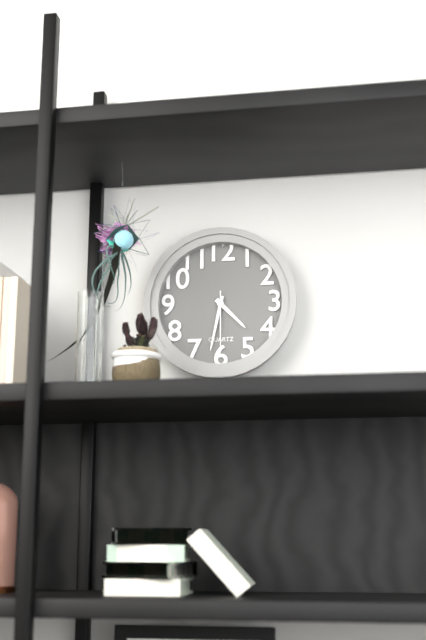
4:32:30
